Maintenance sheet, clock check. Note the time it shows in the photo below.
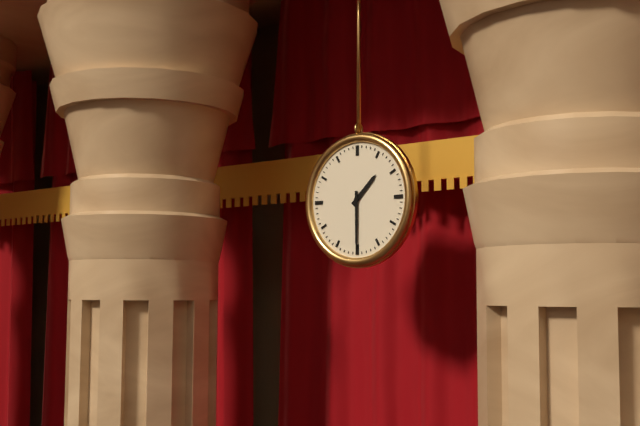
1:30
